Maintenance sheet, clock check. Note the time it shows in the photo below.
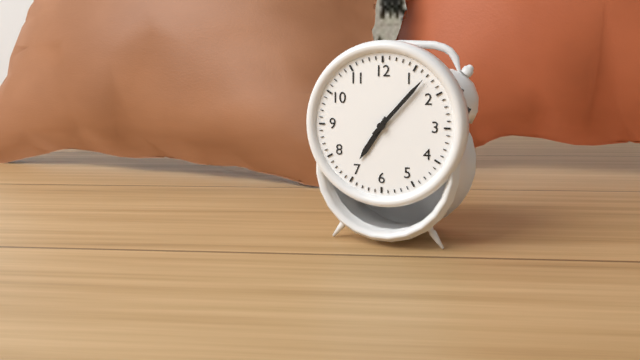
7:07
